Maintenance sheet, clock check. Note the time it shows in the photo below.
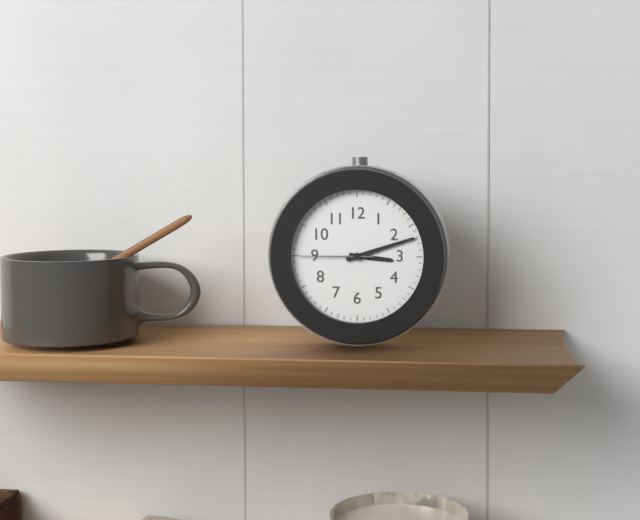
3:12:45
